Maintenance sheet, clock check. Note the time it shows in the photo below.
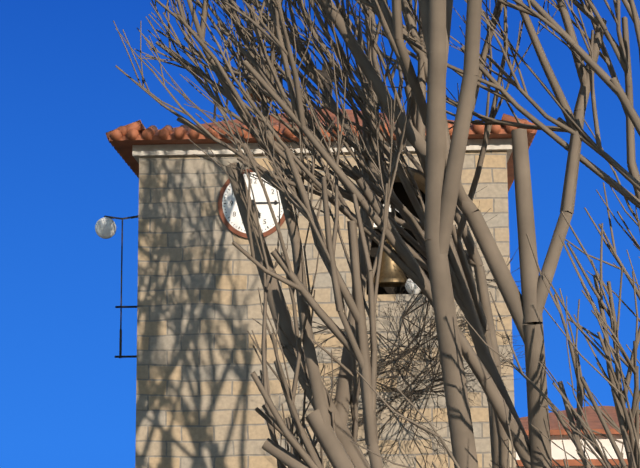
5:15
